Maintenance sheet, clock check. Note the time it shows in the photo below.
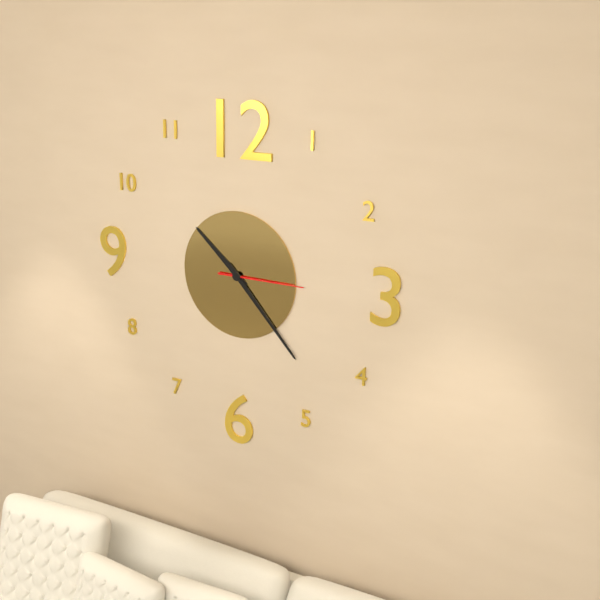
10:23:15
